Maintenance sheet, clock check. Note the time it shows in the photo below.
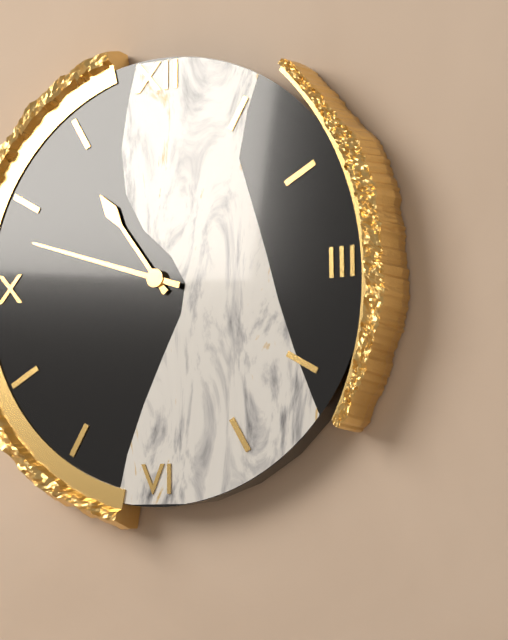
10:48
